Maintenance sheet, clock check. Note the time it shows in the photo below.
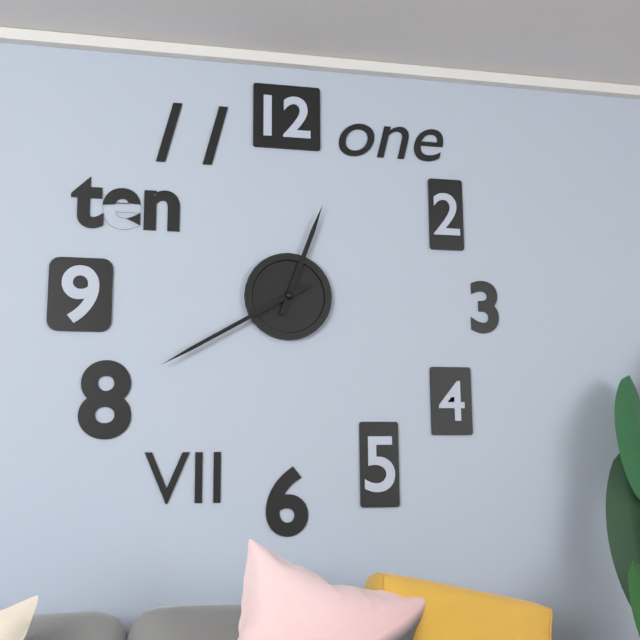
12:40
